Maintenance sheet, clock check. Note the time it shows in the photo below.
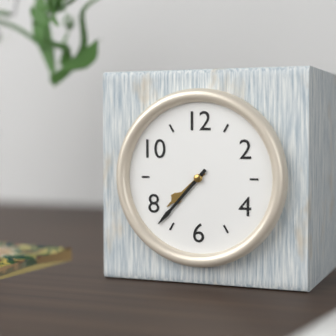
7:37
